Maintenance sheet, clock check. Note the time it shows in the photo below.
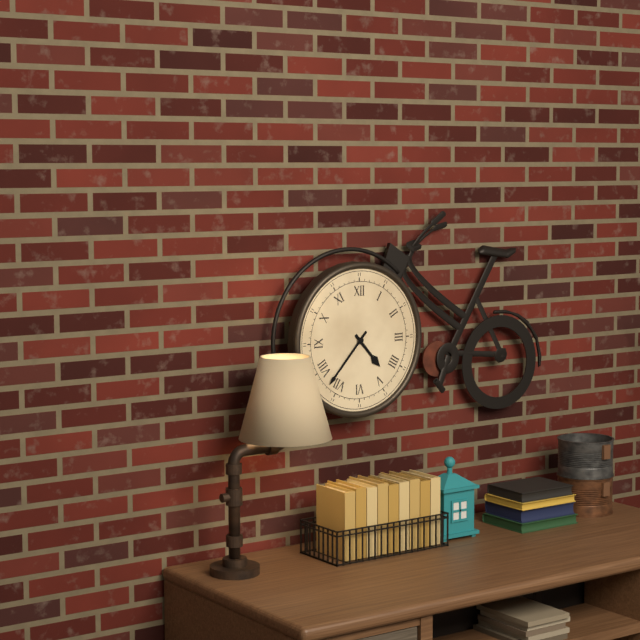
4:37
